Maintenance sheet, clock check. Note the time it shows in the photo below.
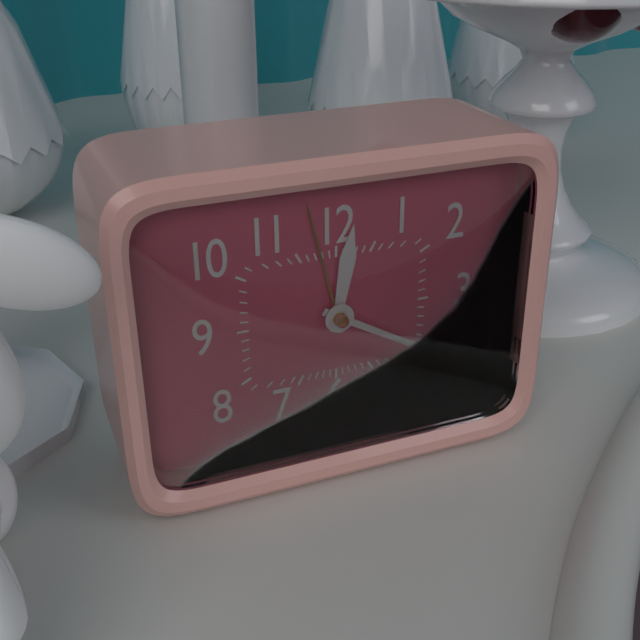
12:20
